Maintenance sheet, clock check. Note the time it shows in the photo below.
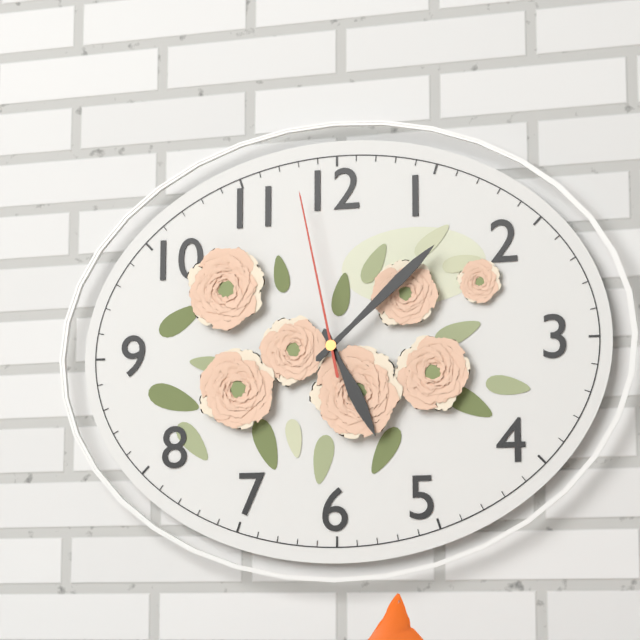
5:08:58
